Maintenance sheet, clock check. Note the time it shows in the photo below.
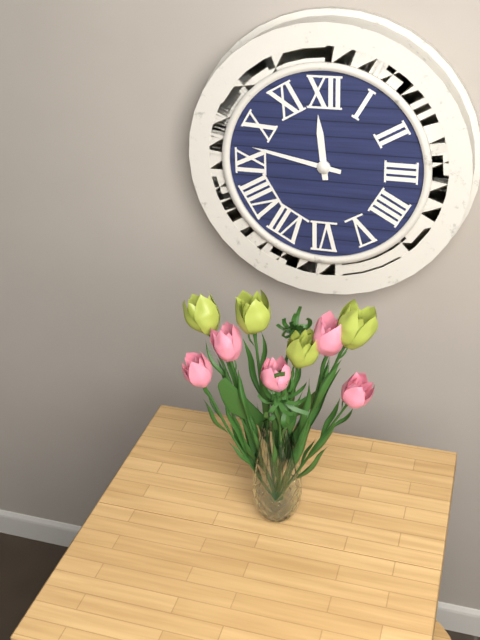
11:47
